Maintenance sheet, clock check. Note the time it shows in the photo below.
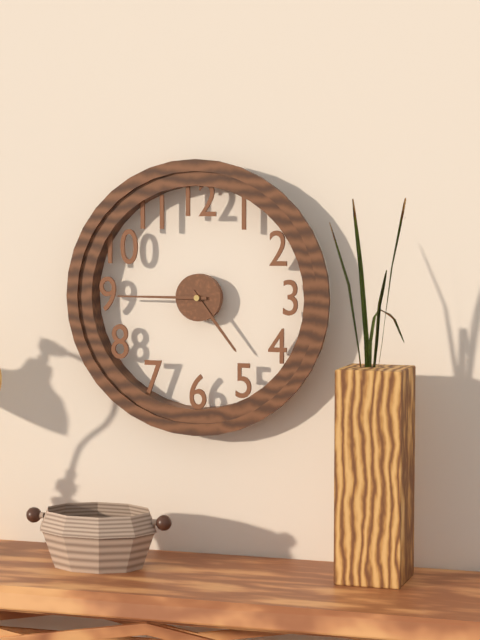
4:45
